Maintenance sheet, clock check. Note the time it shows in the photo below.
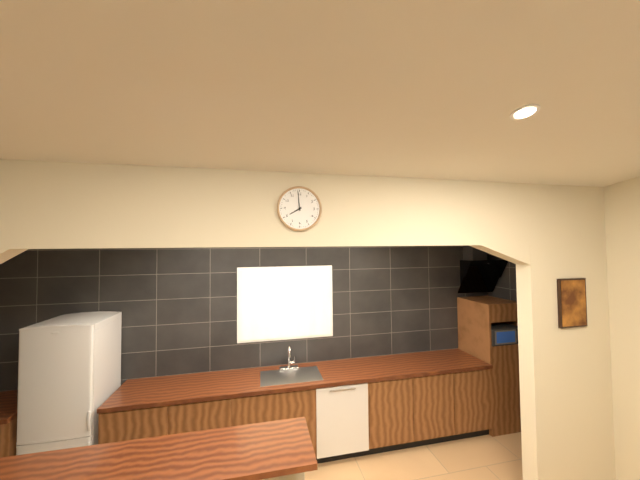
7:59
